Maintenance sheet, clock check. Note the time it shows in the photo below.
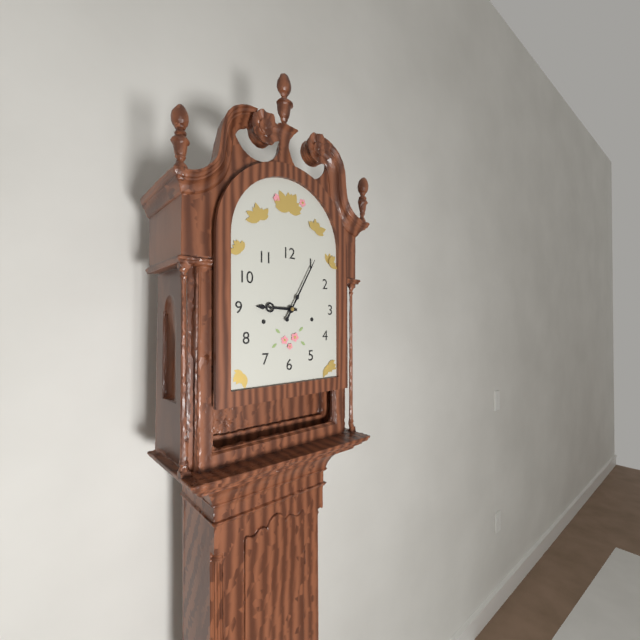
9:05
